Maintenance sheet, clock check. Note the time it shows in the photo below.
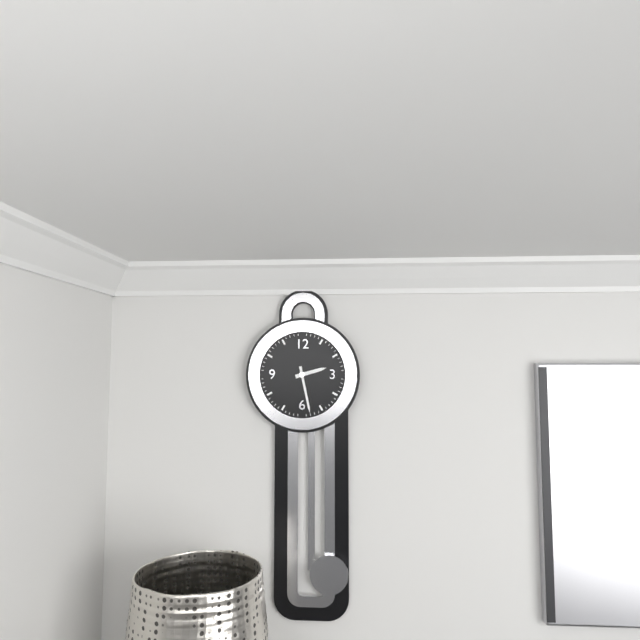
2:28
